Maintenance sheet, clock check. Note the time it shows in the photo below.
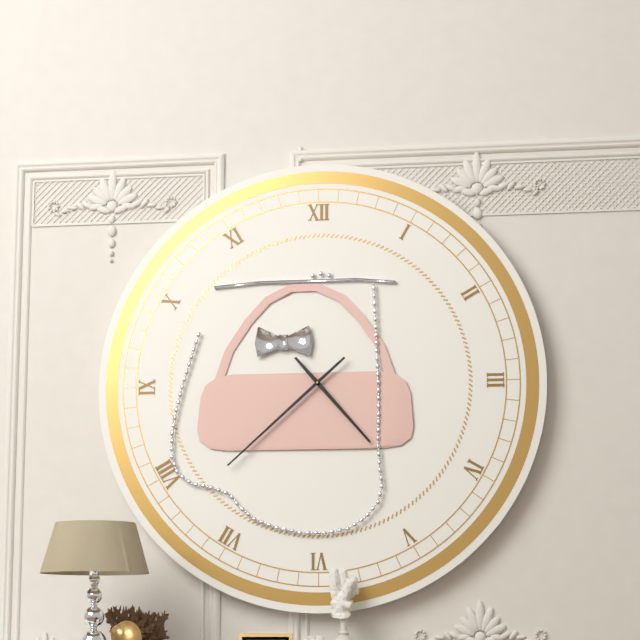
4:38
